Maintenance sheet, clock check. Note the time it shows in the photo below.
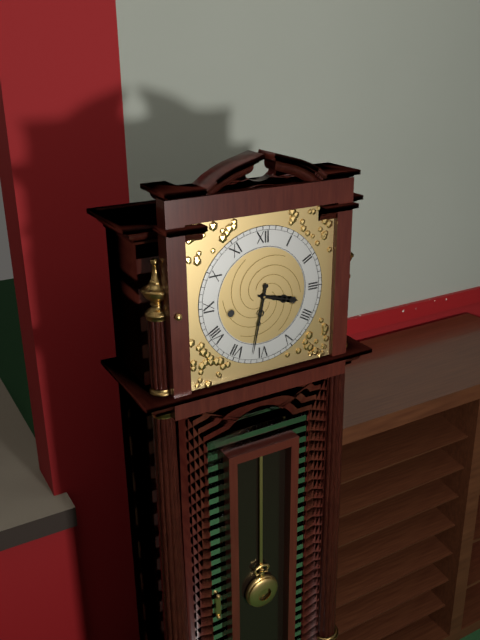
3:32
